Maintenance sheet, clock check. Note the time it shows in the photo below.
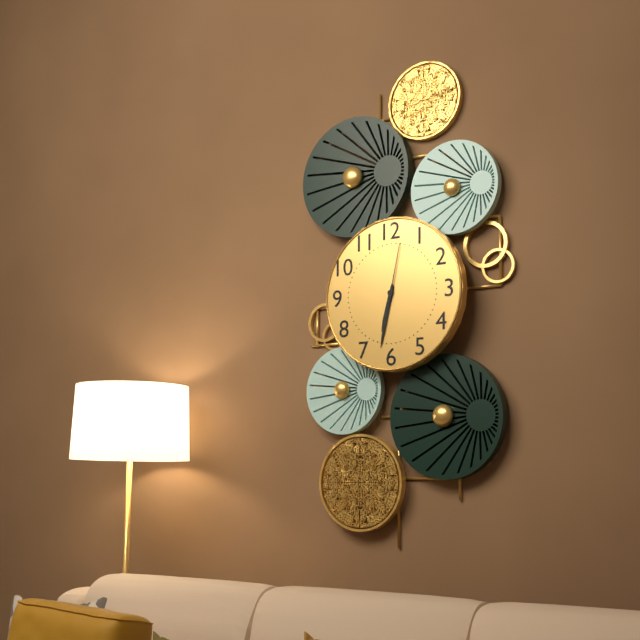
6:32:02
